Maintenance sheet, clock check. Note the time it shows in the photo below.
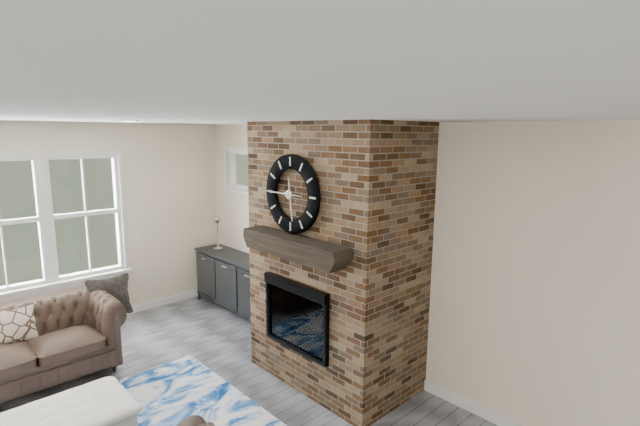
5:45
